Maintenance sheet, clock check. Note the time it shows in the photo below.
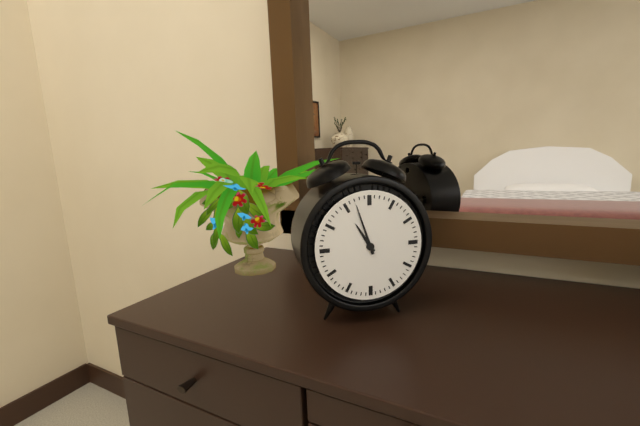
10:57
